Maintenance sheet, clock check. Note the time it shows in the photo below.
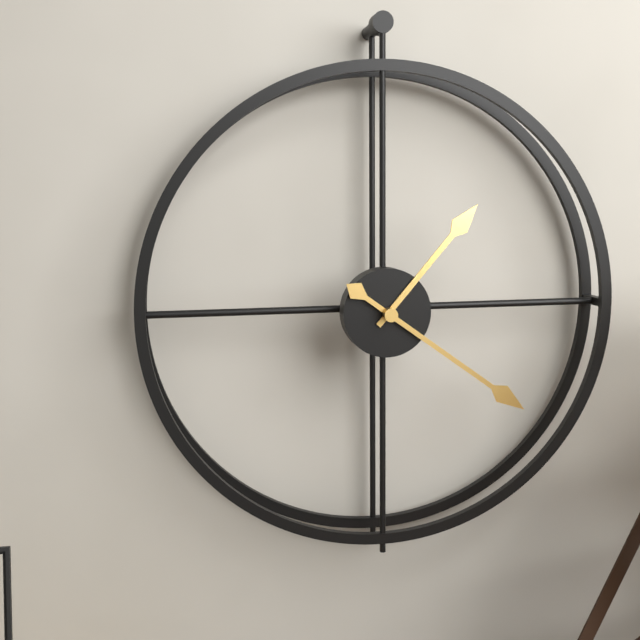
1:21
